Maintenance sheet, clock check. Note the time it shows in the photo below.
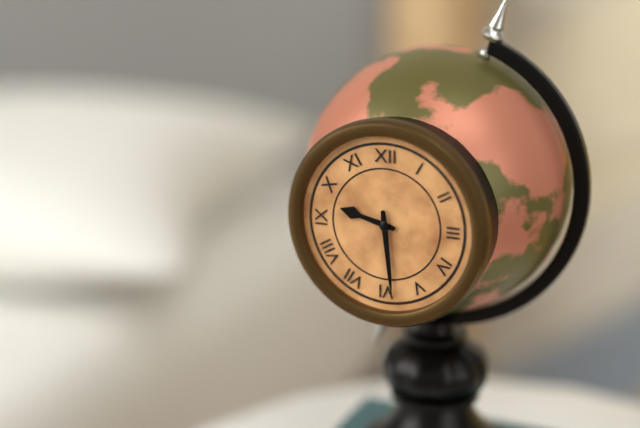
9:29
